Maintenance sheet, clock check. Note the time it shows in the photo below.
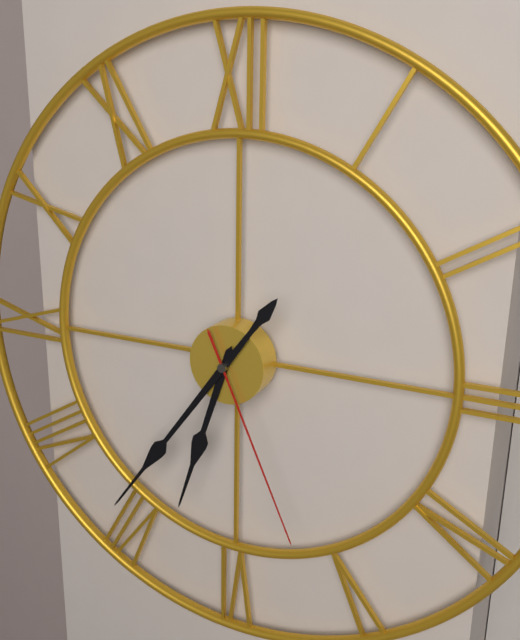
6:36:26
